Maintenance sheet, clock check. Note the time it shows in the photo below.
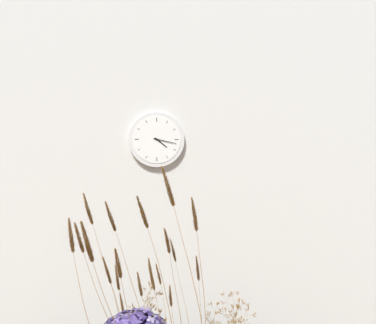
4:17
